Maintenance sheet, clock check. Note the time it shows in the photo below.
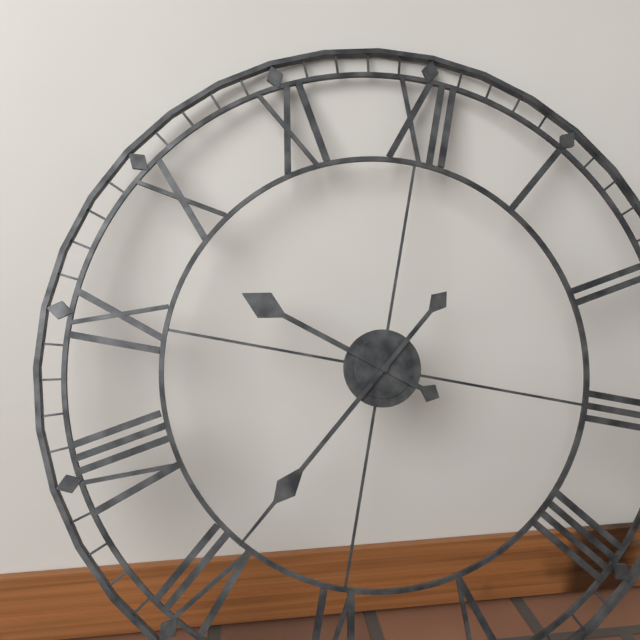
9:35
